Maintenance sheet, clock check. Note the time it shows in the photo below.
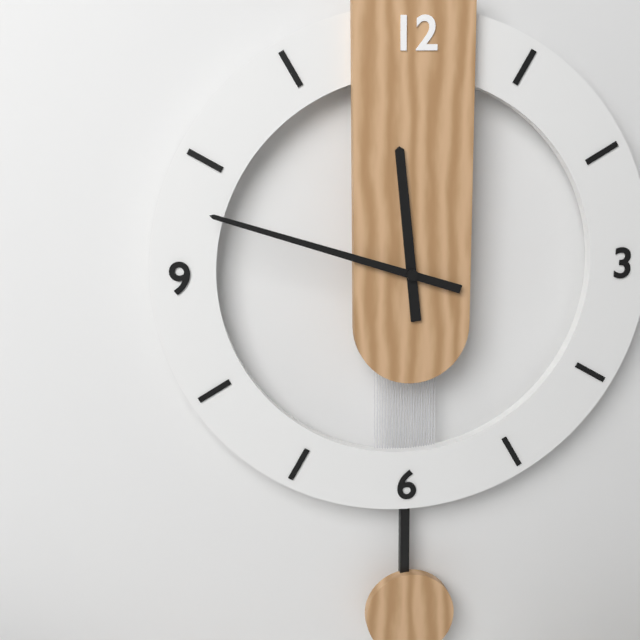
11:48
